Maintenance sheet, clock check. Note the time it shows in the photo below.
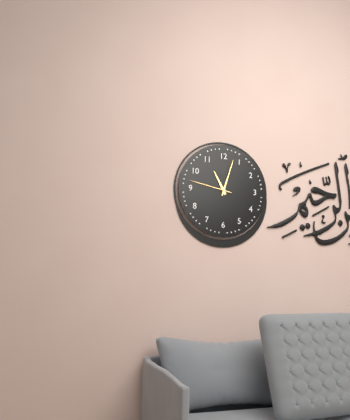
11:03
